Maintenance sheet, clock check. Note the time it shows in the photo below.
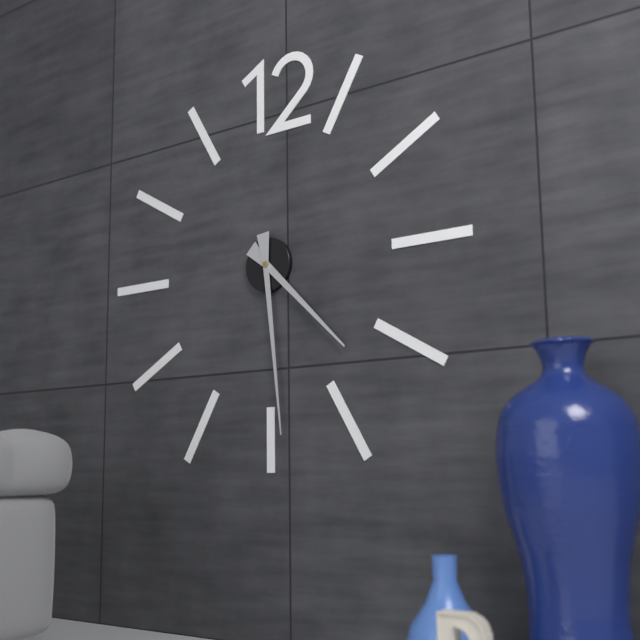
4:29
